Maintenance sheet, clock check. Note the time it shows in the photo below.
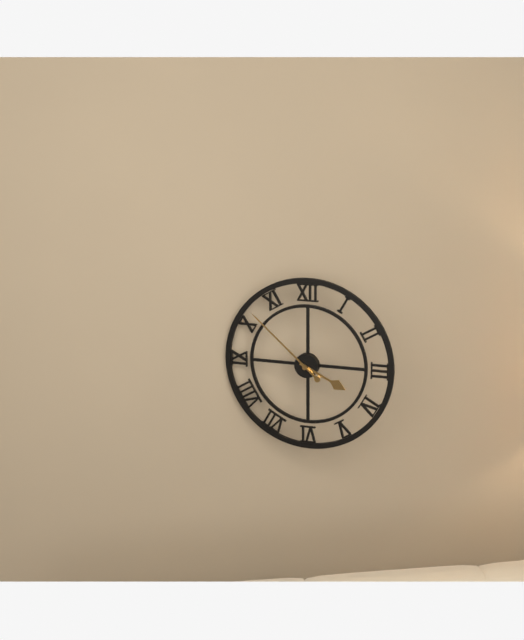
3:52
